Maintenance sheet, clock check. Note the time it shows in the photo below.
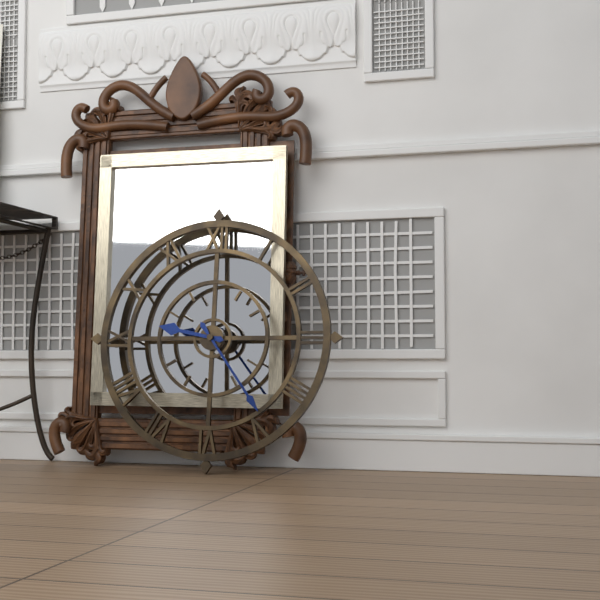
9:24
